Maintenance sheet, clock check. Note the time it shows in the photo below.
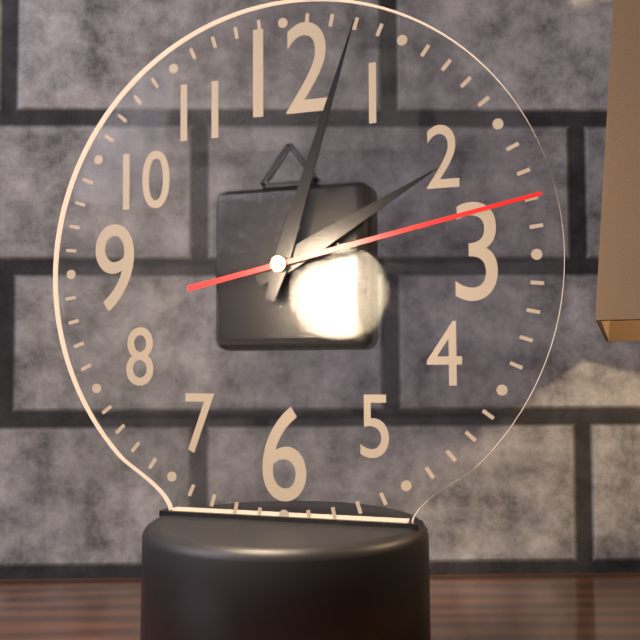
2:03:13
